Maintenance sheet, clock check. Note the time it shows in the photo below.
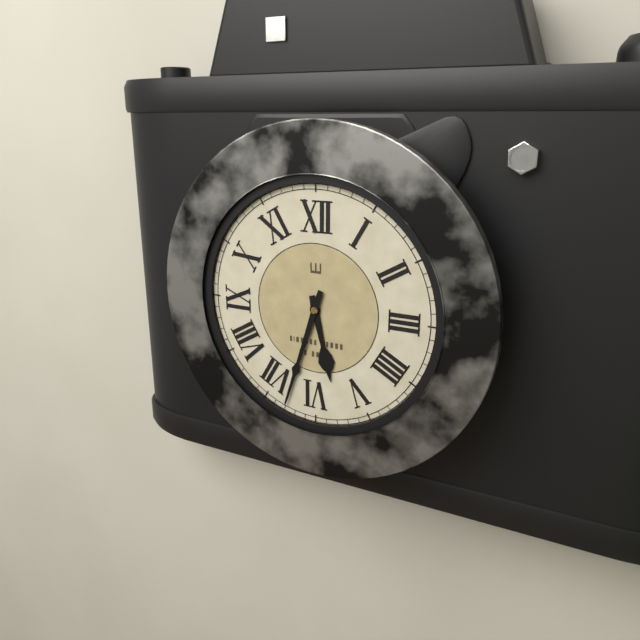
5:33
